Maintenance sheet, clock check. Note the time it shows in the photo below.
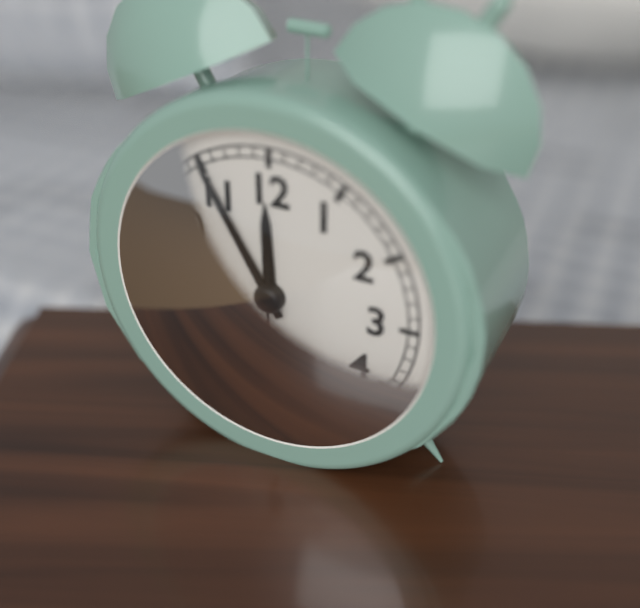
11:55:30
